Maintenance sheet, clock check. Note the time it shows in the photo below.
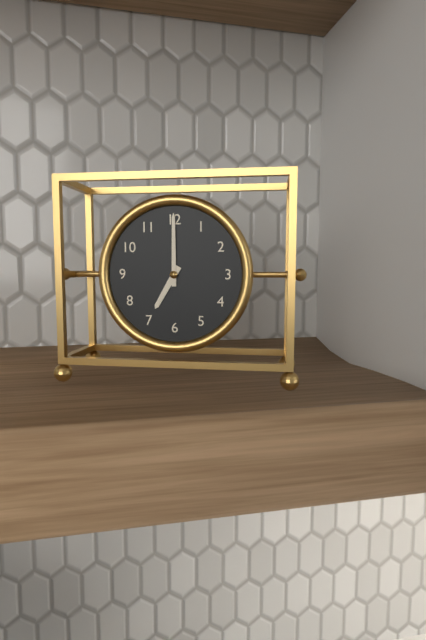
7:00
